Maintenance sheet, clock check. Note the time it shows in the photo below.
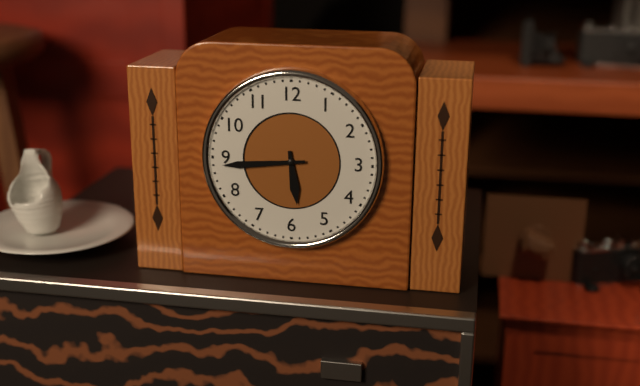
5:44
